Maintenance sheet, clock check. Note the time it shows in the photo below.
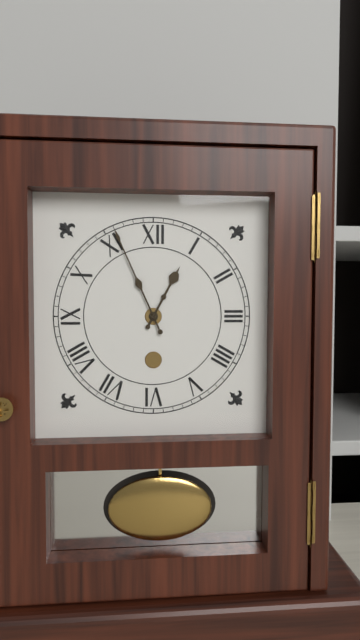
12:56
